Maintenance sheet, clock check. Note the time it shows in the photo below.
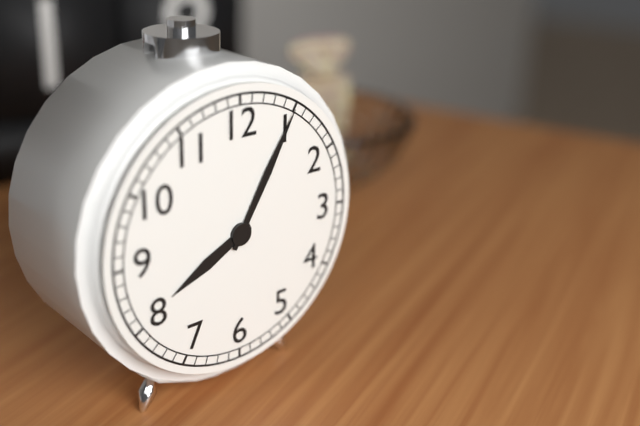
8:05
